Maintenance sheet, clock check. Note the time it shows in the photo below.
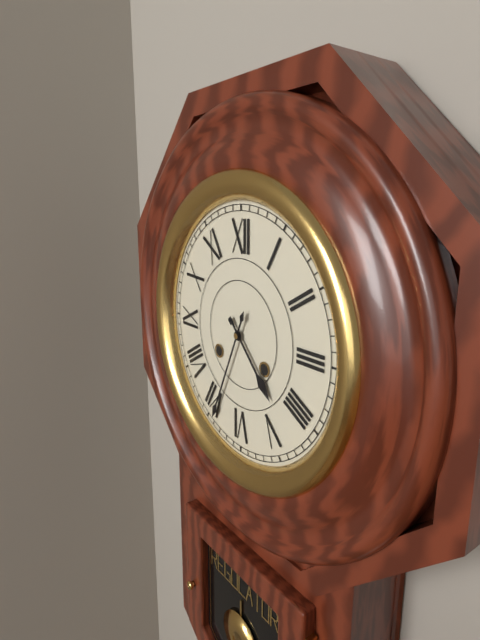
4:34
